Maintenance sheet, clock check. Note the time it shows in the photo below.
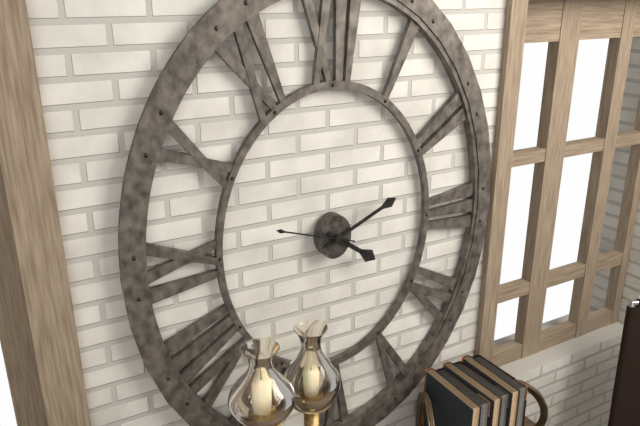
4:11:48
